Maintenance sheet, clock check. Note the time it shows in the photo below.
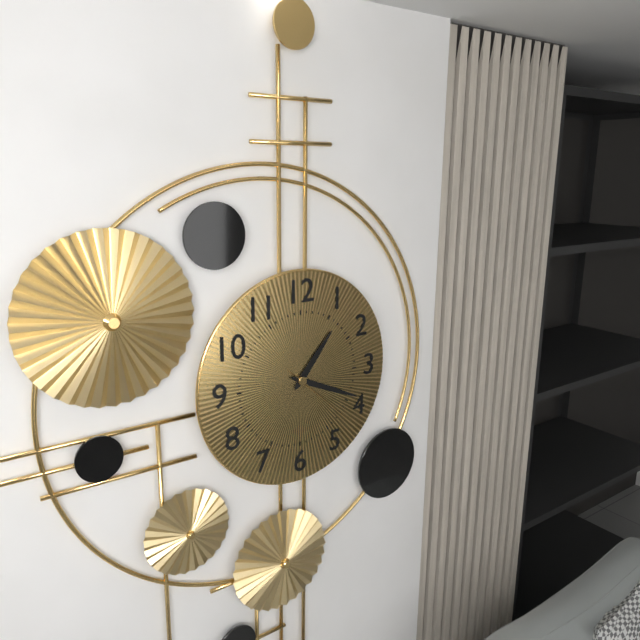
1:19:22
